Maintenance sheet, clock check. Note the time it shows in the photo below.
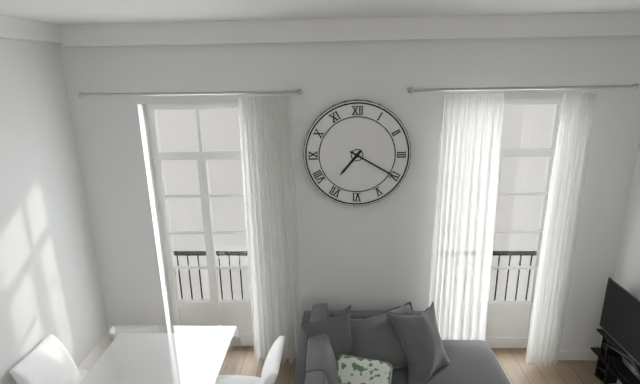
7:20
